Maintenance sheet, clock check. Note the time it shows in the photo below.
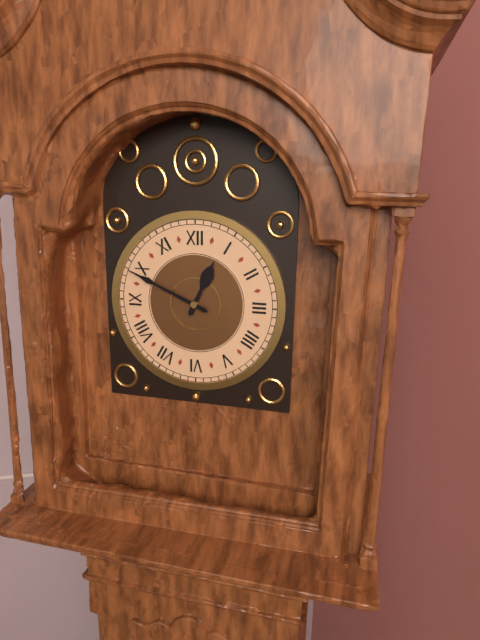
12:49
